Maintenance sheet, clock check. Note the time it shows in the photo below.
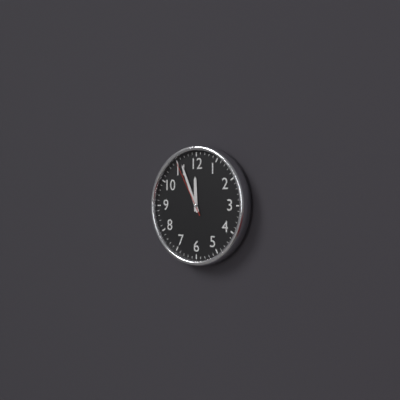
11:56:55
